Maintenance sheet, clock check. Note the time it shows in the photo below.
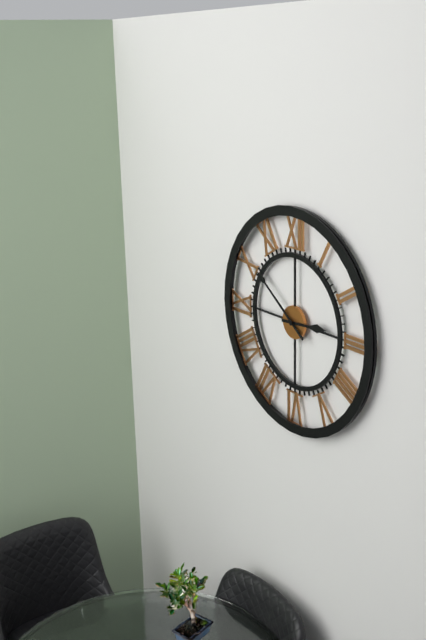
2:51
